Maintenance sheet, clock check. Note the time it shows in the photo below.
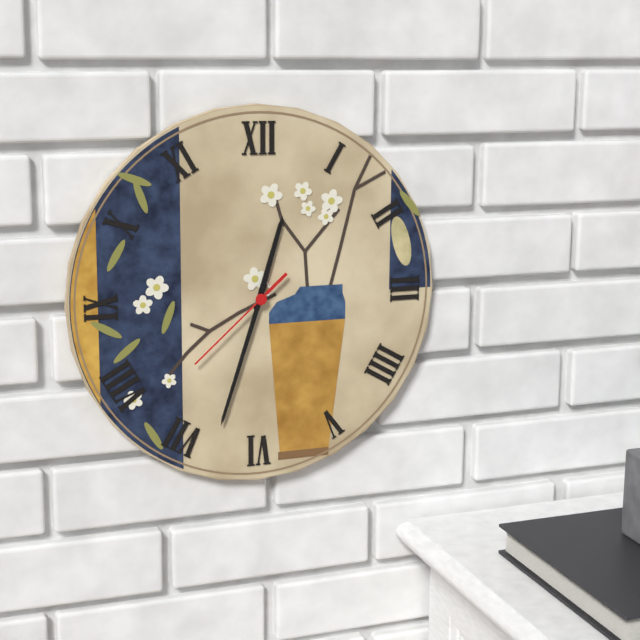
12:33:38
